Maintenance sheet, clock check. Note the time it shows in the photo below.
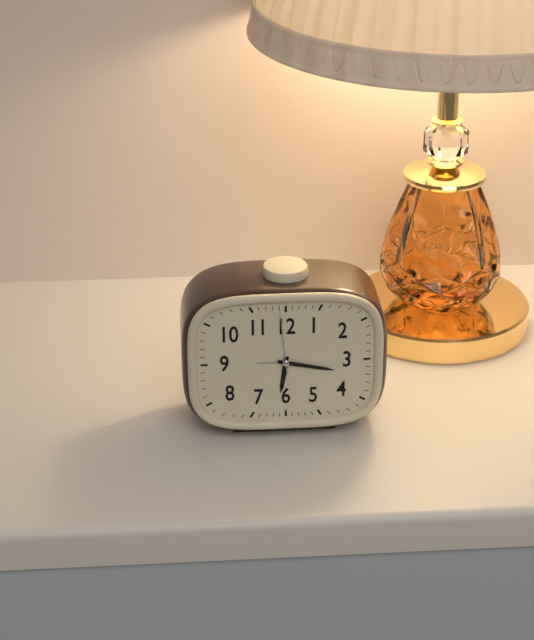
6:17:59
